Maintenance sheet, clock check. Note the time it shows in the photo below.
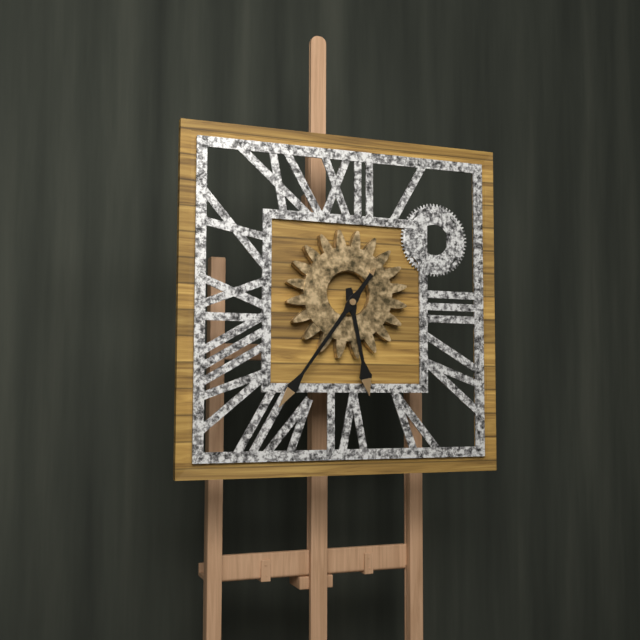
5:36
